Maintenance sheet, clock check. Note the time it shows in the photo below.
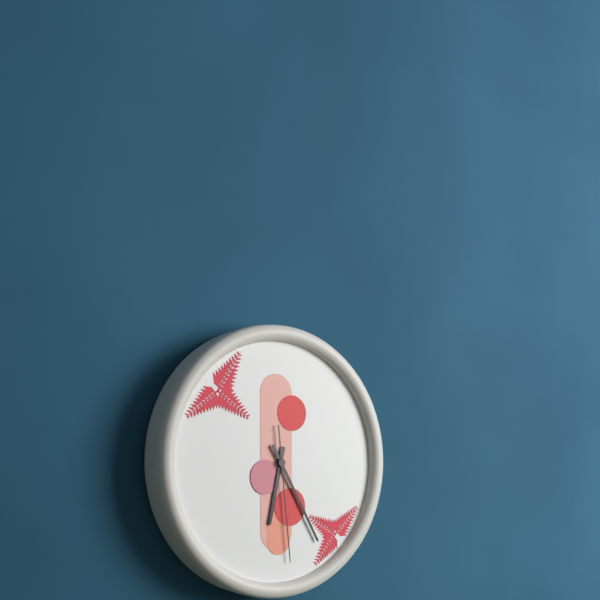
6:25:29
